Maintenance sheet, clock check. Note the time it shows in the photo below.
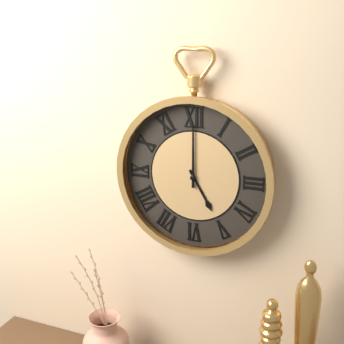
5:00
